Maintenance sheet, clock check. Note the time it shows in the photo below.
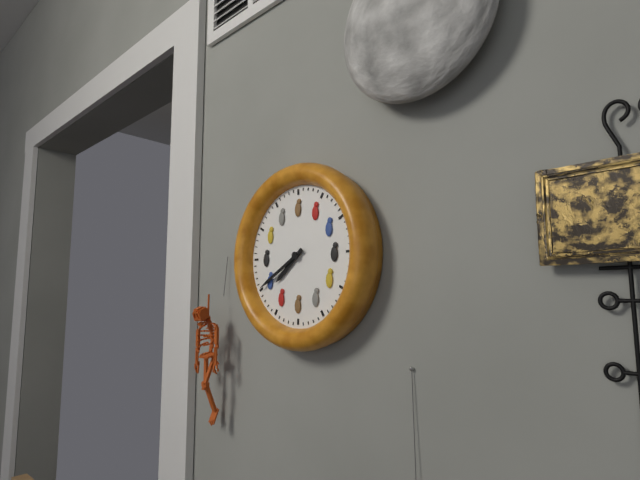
7:40
